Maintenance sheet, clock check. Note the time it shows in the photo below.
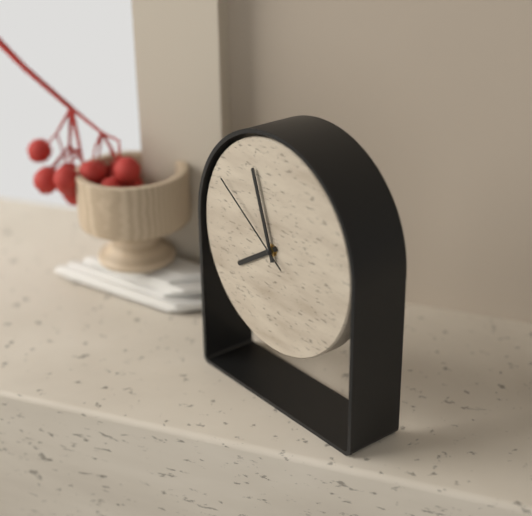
7:57:51
